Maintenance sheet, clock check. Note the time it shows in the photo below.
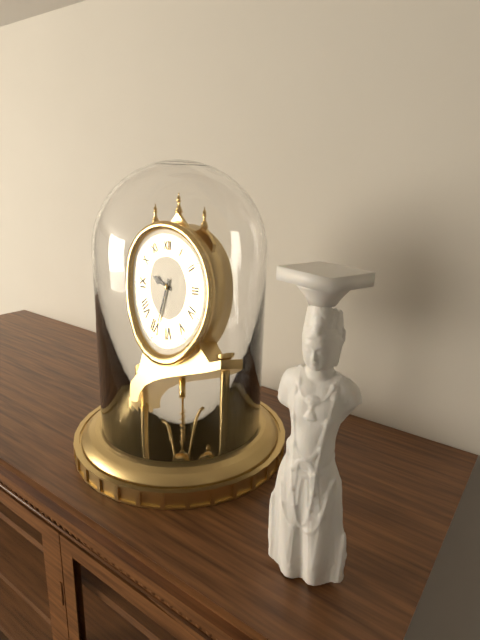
9:34
